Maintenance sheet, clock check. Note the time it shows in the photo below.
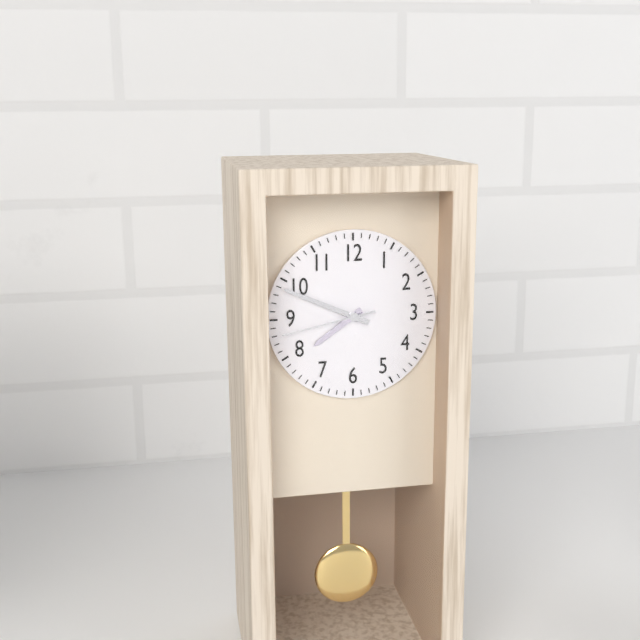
7:49:43
